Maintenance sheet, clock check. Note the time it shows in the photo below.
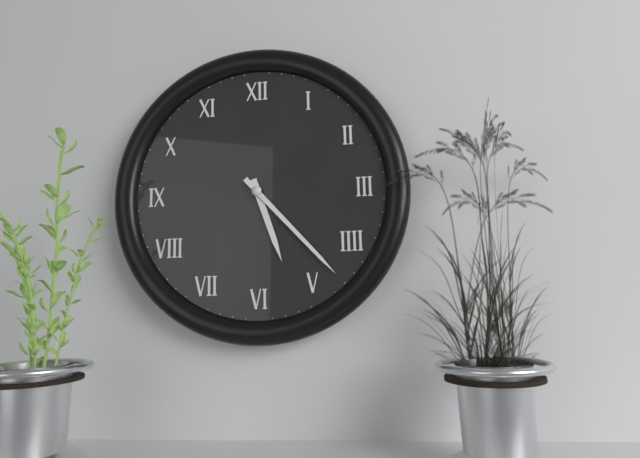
5:23
